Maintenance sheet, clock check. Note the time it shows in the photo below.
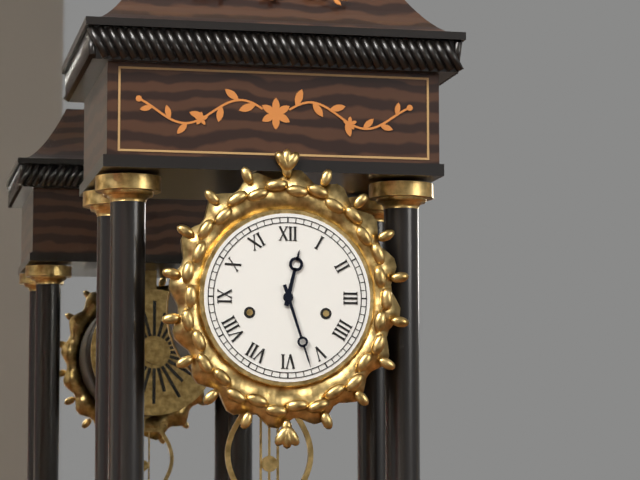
12:27
